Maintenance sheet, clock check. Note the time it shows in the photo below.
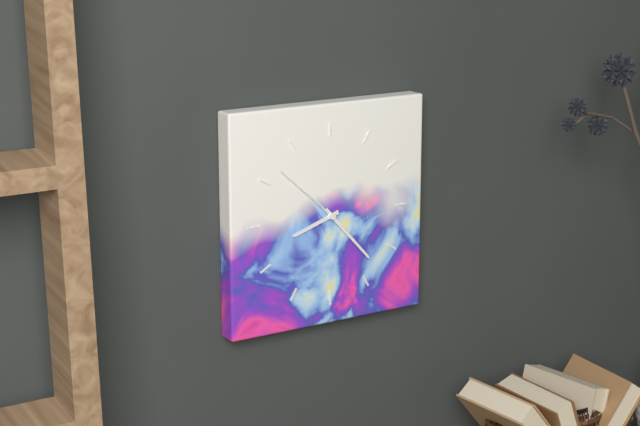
8:23:52
